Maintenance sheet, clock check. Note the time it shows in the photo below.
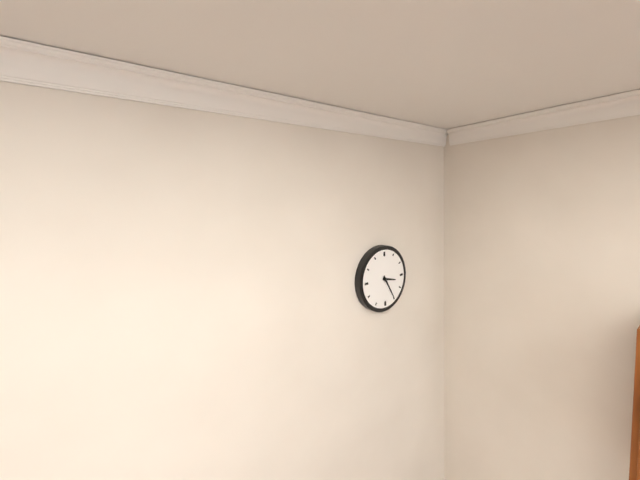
3:25
